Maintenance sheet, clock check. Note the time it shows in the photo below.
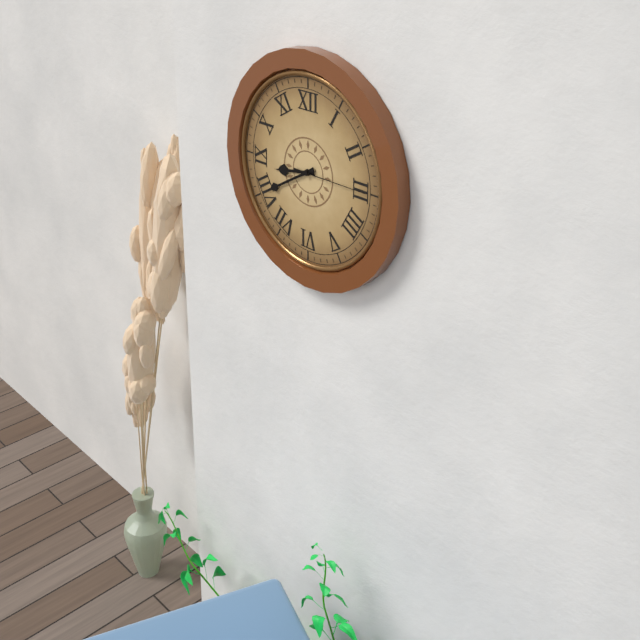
8:40:15
